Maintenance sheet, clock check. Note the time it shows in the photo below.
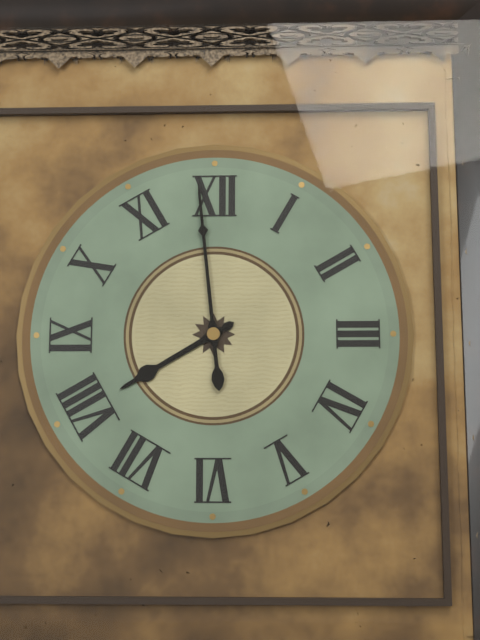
7:59
